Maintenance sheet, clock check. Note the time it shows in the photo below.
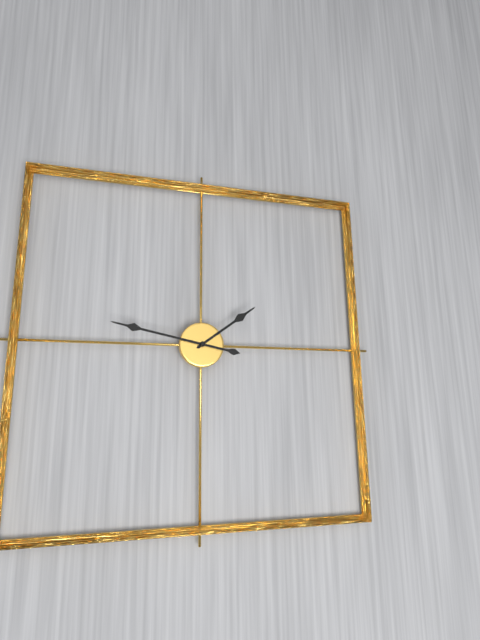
1:47
